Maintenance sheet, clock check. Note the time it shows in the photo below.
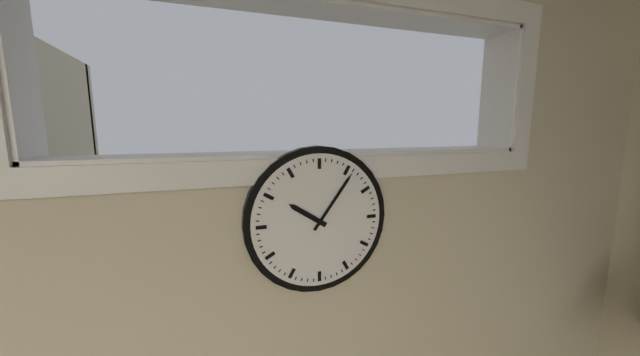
10:06
